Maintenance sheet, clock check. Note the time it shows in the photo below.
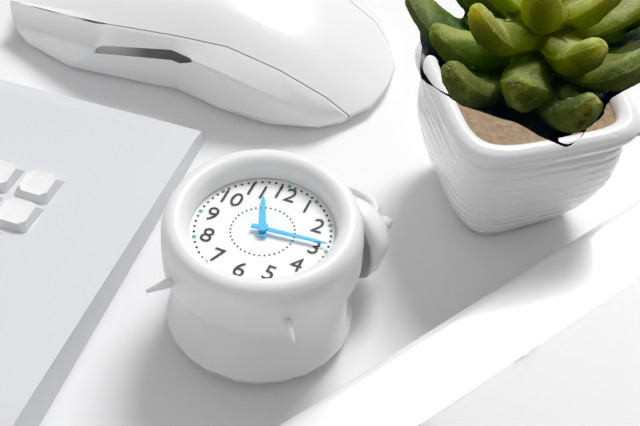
11:14
